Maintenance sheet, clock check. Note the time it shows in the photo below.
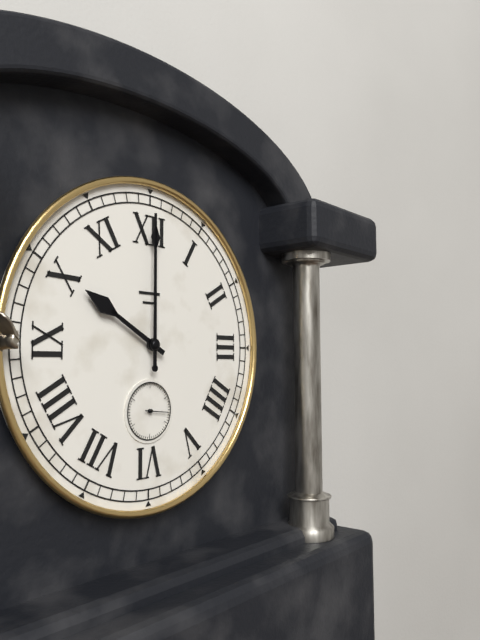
10:00
